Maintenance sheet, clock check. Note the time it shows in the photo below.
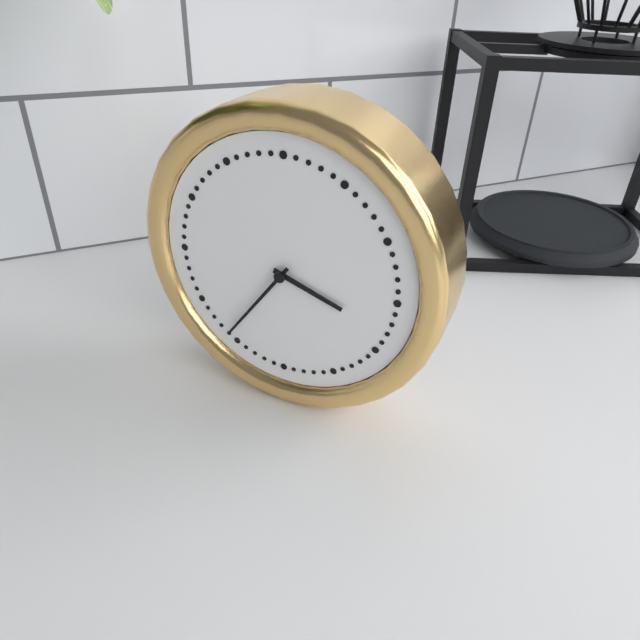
3:36
